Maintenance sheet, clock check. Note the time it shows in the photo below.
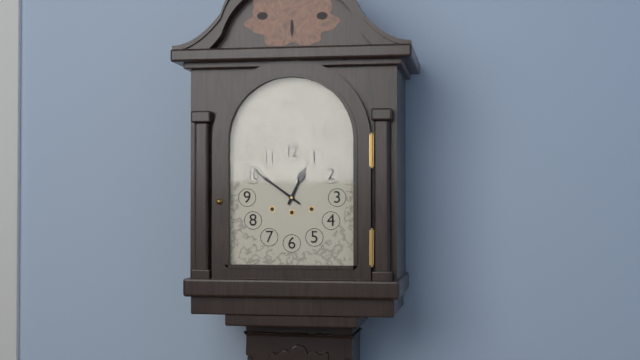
12:51
